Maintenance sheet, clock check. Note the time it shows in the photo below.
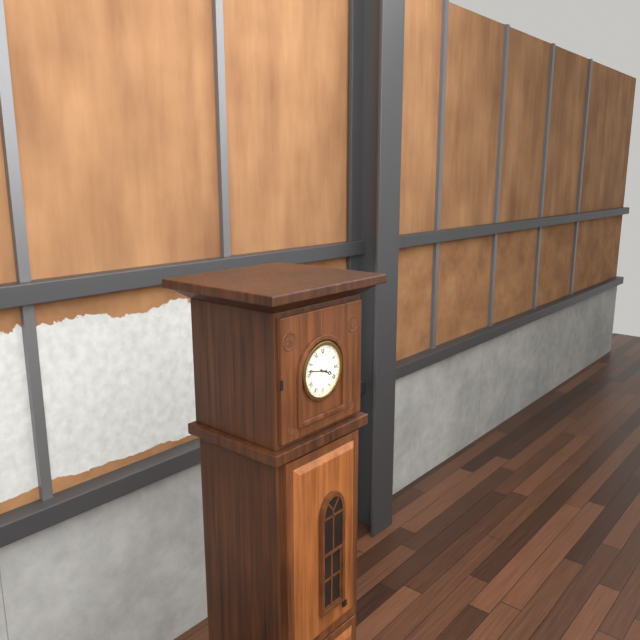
3:47
